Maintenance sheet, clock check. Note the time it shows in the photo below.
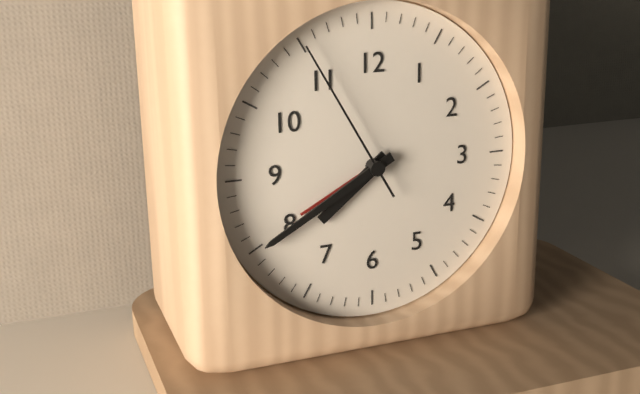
7:40:55
